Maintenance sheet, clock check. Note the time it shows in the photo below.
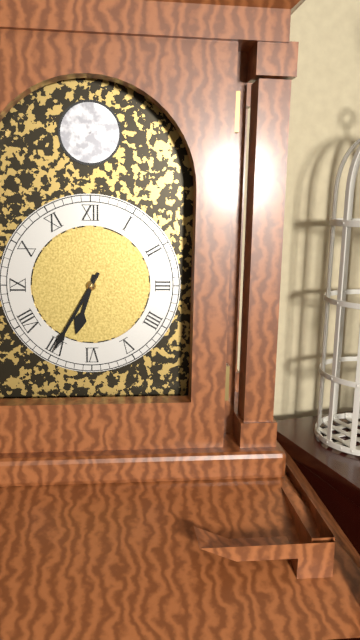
6:35
